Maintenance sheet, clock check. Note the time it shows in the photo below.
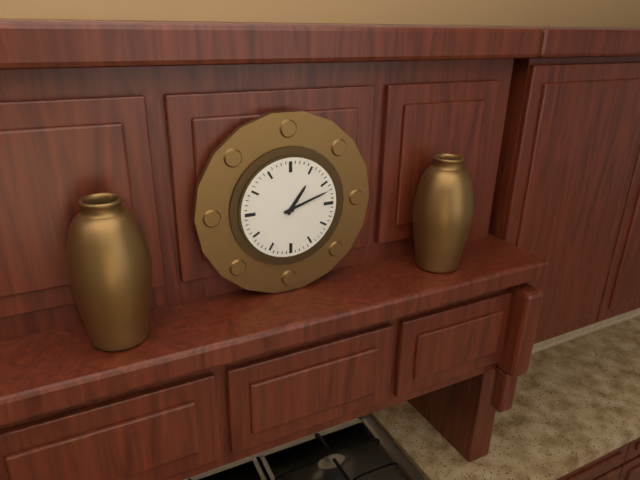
1:12
